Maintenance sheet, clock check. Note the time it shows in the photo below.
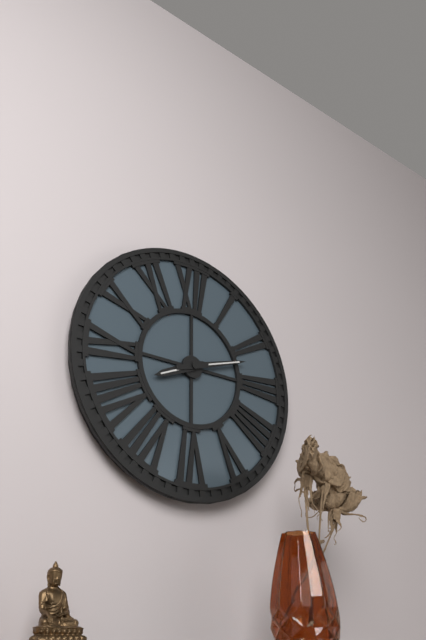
8:12
